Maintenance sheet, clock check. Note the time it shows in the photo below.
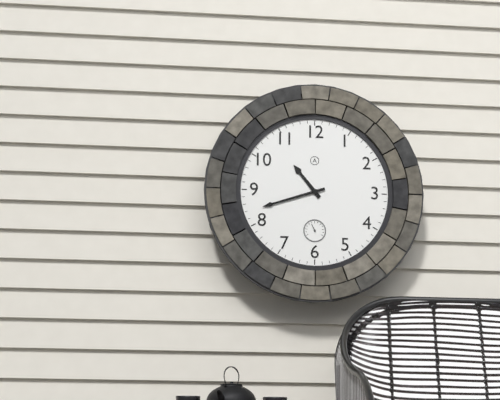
10:42
